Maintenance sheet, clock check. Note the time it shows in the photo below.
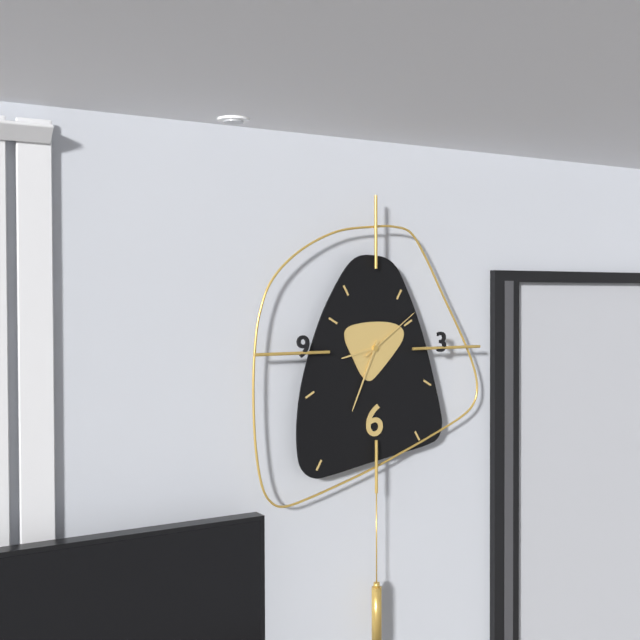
8:34:09
